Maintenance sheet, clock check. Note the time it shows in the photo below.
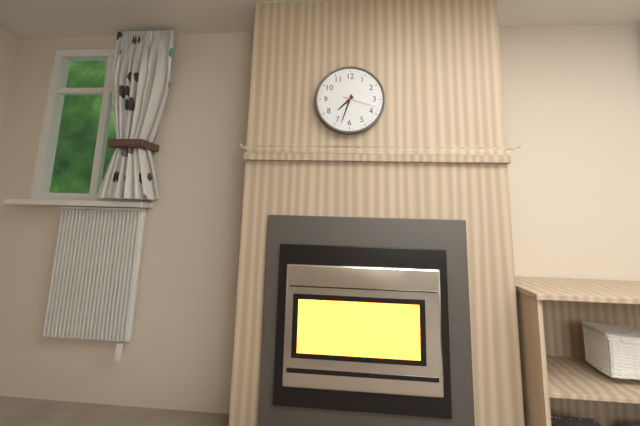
7:33
